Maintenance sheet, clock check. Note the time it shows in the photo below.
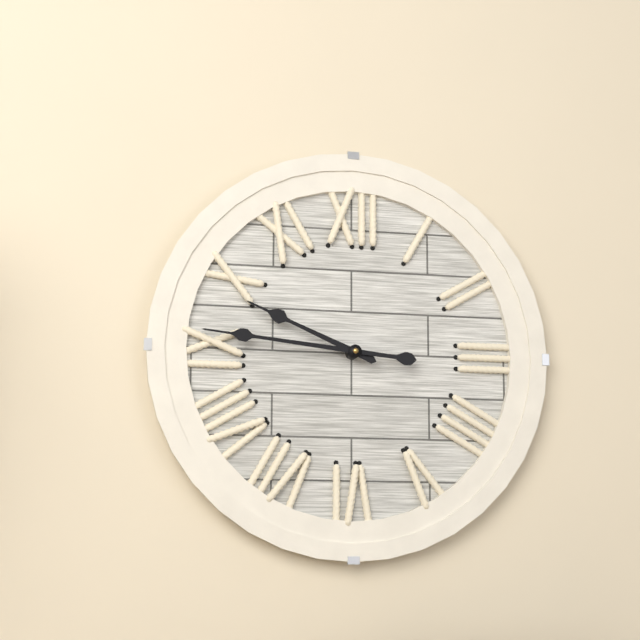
9:46
